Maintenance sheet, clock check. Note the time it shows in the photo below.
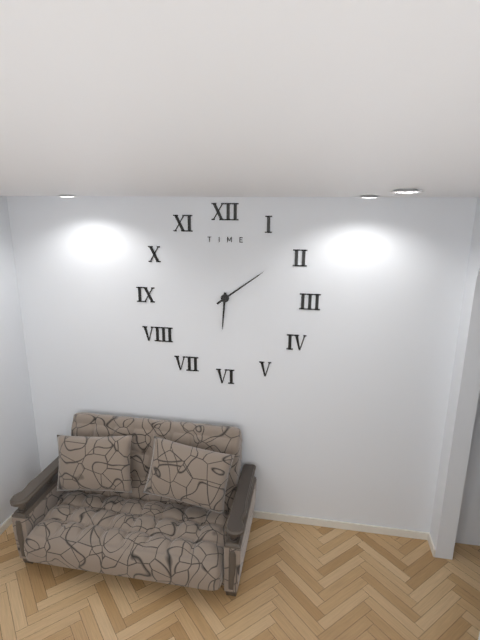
6:09
